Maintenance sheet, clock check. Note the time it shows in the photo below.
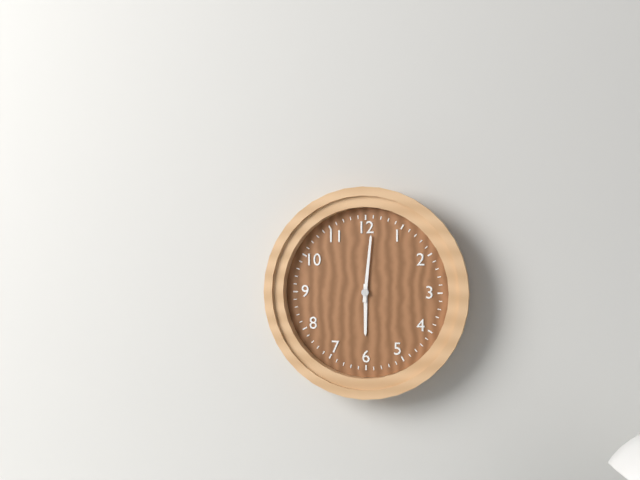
6:01
